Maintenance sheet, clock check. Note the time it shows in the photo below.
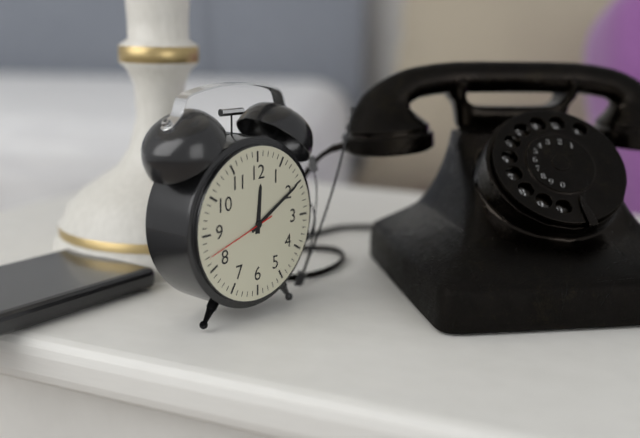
12:10:42
